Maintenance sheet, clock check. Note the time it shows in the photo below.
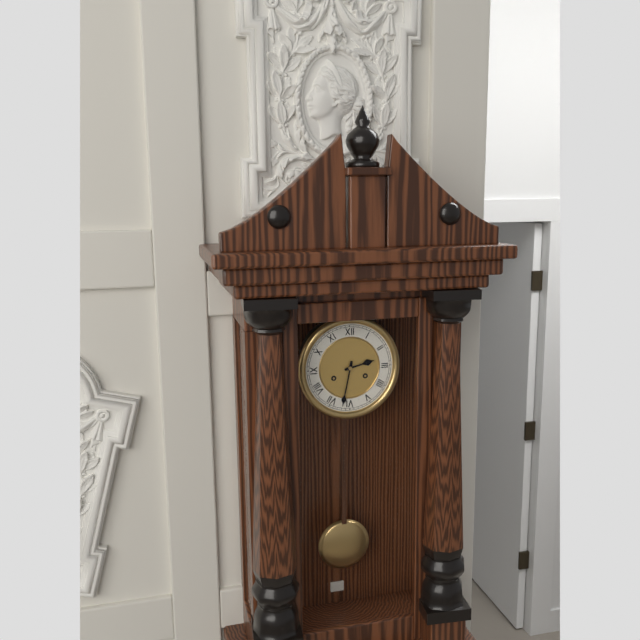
2:32
